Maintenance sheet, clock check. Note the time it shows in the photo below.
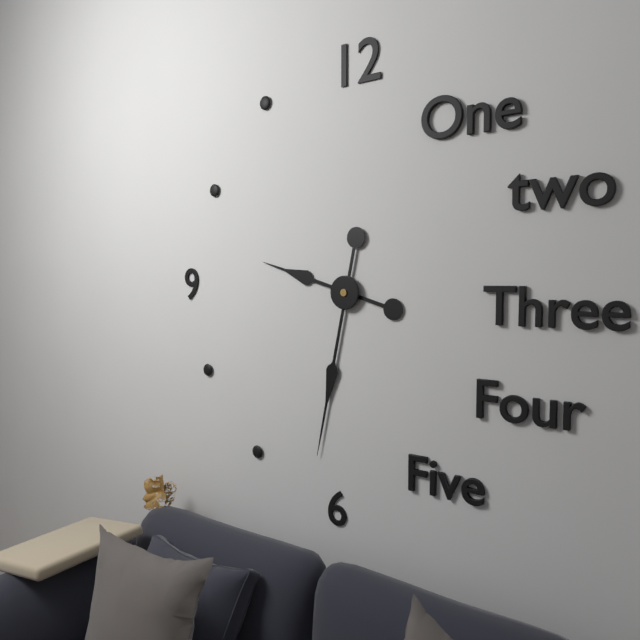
9:32
